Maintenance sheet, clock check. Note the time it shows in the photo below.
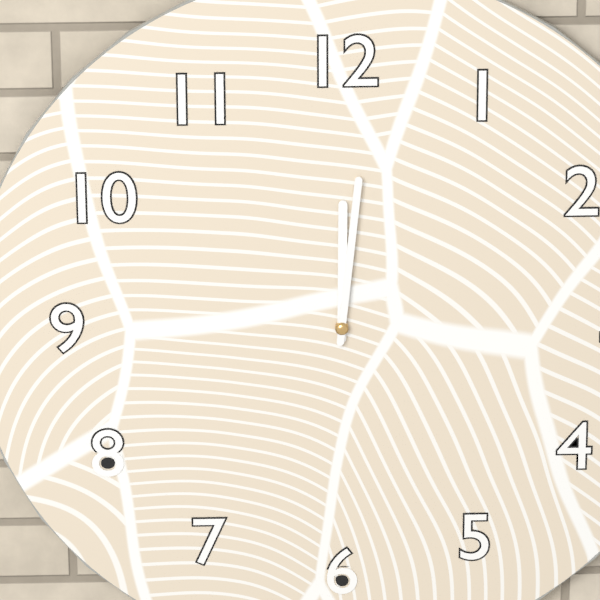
12:01
